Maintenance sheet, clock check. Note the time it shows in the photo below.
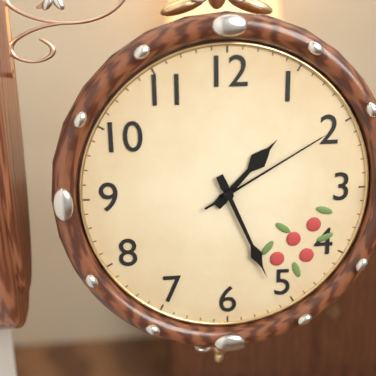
1:26:10
